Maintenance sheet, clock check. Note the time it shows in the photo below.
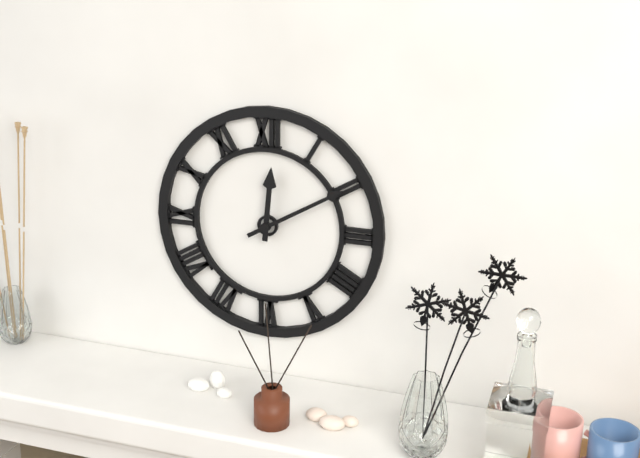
12:10
